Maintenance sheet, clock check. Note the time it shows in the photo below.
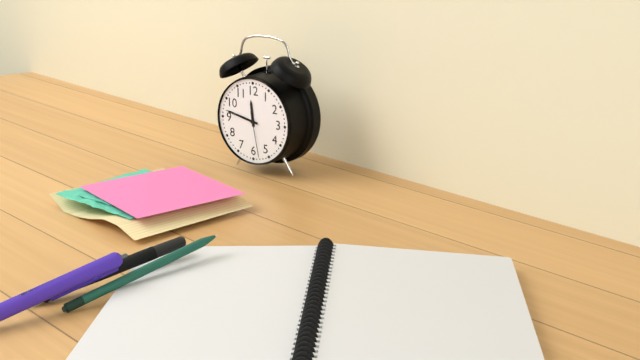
11:47:28
